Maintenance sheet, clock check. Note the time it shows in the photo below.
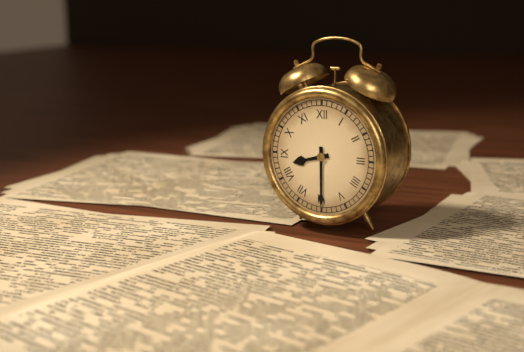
8:30
